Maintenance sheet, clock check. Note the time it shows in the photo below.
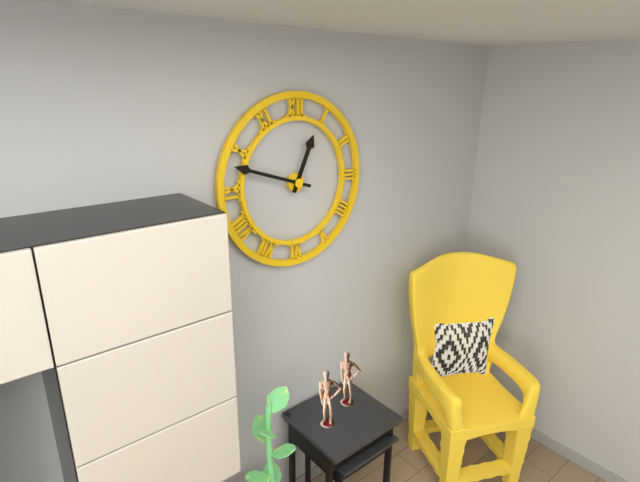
12:48
